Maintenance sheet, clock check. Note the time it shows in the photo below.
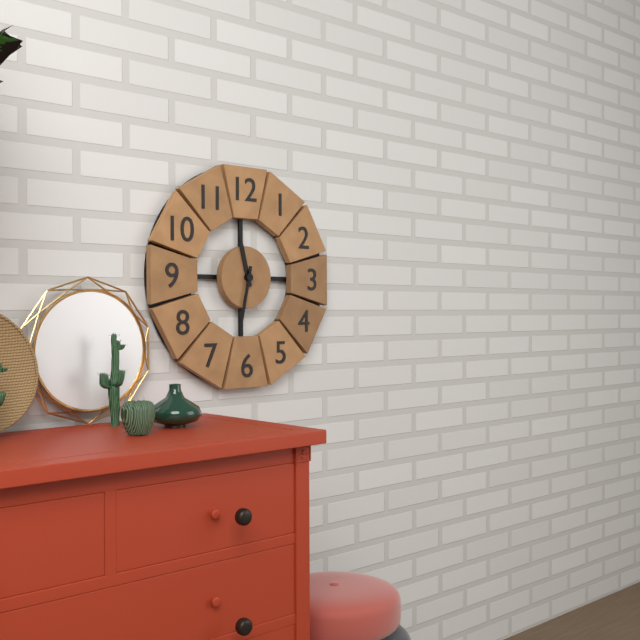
11:32
